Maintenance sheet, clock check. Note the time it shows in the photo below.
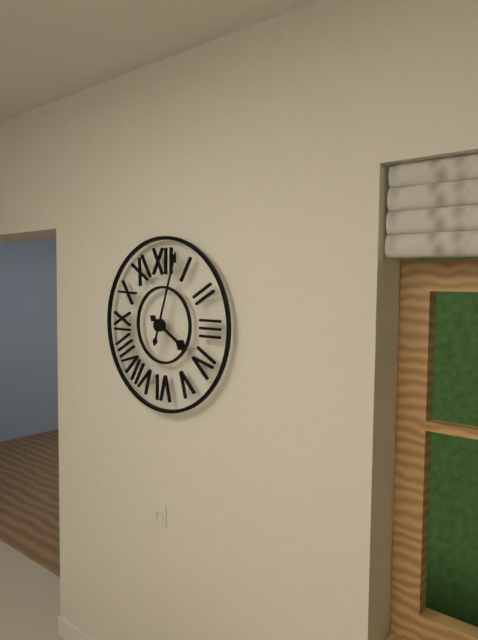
4:03
